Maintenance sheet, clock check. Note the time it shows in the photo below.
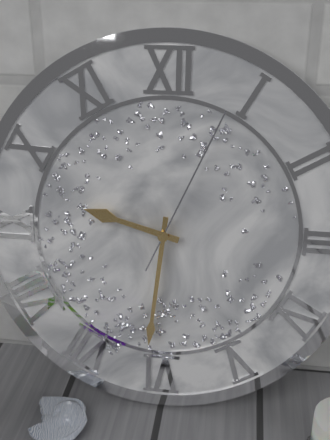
9:31:04
